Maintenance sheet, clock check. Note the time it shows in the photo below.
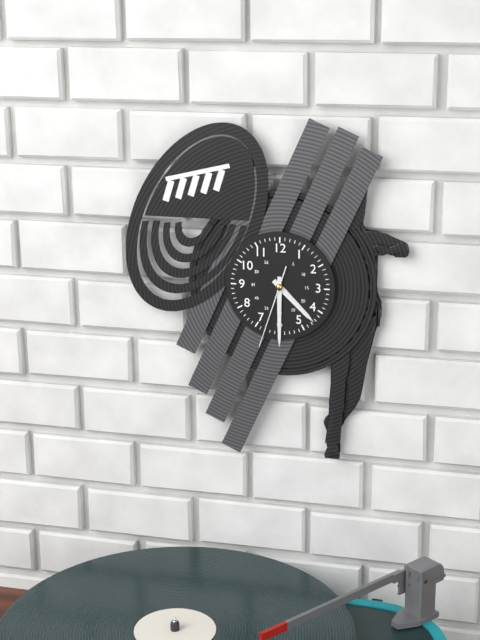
4:30:33
